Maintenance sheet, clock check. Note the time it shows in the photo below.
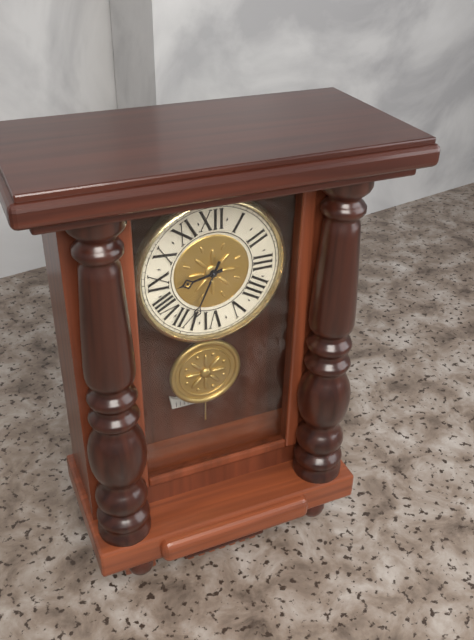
8:34
